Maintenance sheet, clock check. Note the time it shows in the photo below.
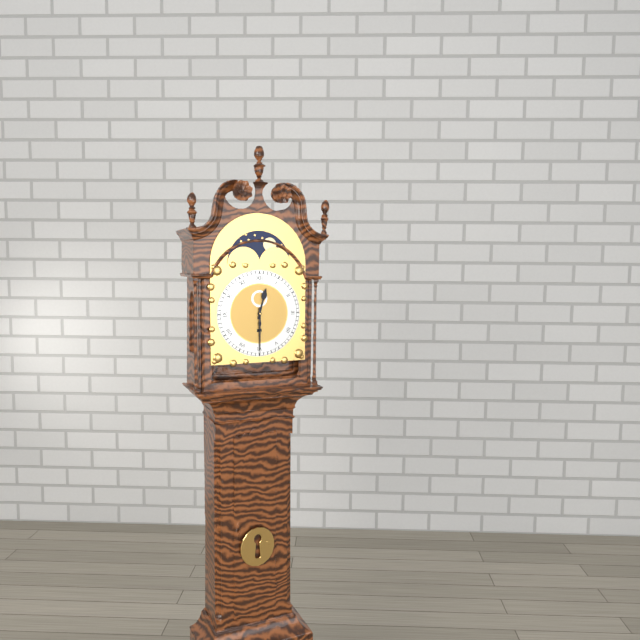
12:30
